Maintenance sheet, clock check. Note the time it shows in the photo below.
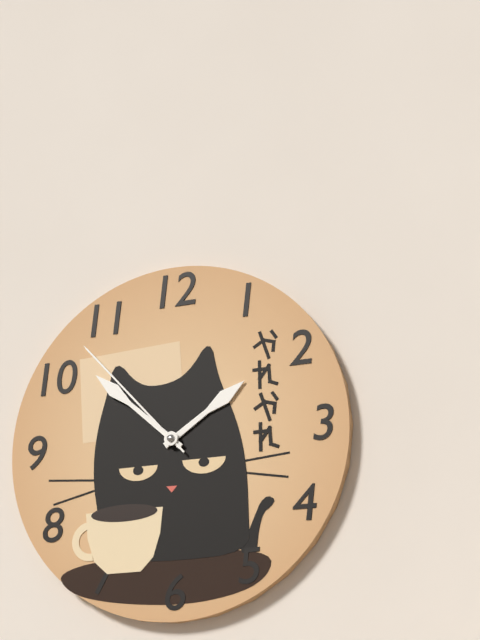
1:52:53
